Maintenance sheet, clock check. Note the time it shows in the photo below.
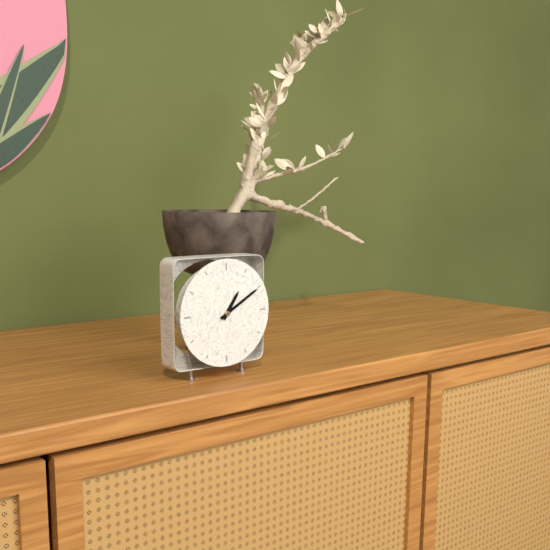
1:10
